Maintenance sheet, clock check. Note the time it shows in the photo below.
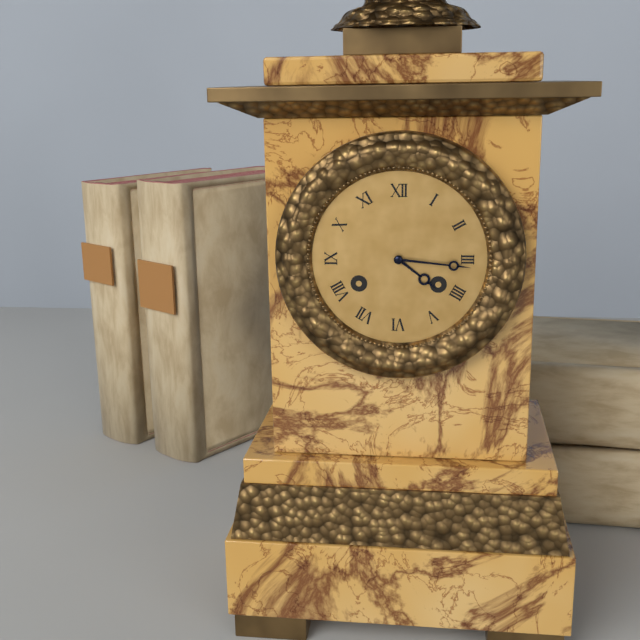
4:16
